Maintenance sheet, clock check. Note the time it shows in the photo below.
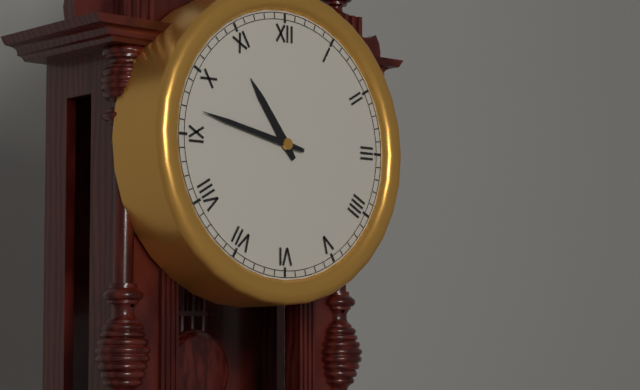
10:47
